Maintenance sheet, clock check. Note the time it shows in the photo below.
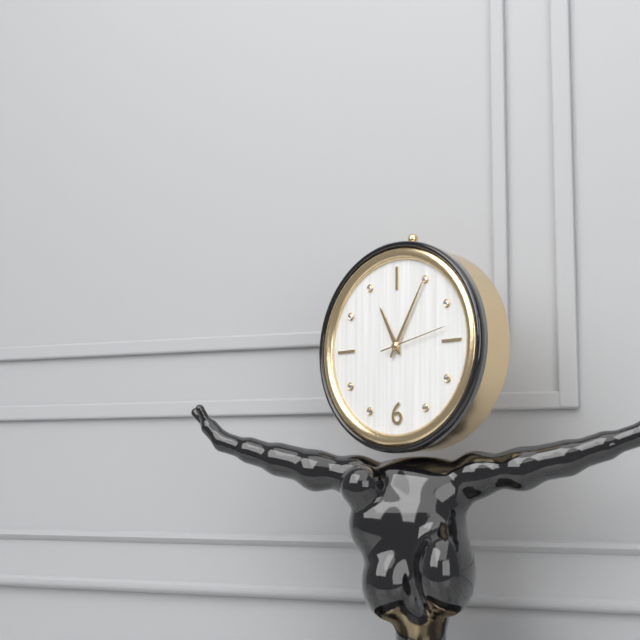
11:05:13
